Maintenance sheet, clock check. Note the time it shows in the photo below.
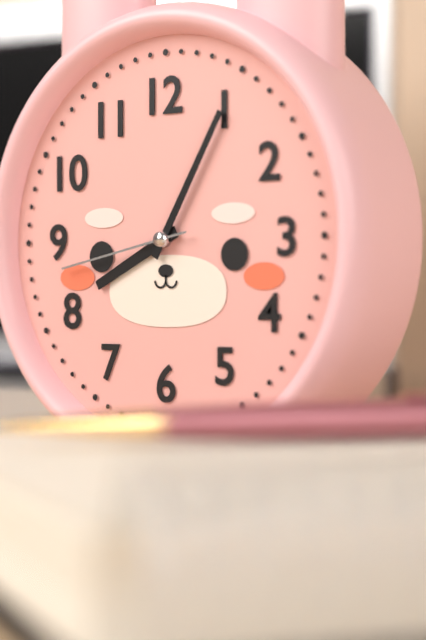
8:05:43
